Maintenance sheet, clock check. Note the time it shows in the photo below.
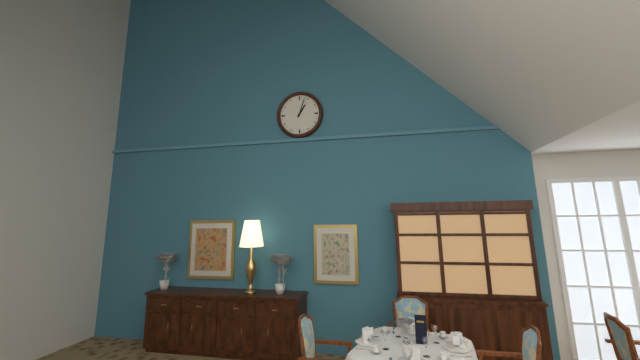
1:03
